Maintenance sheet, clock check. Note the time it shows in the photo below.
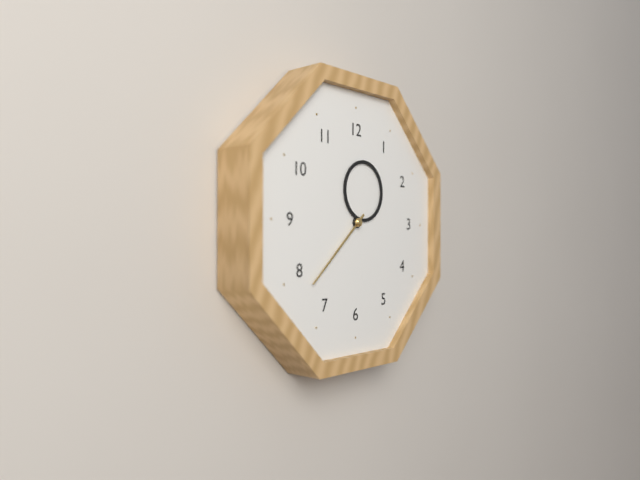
12:38
